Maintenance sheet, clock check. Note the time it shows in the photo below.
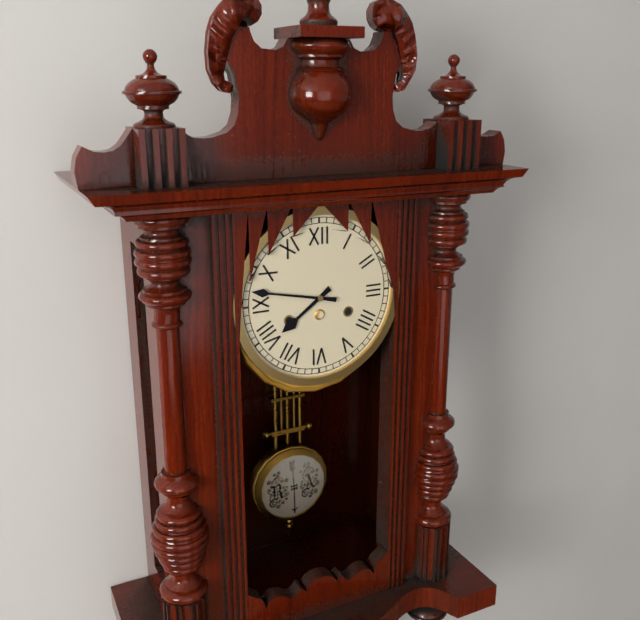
7:47
